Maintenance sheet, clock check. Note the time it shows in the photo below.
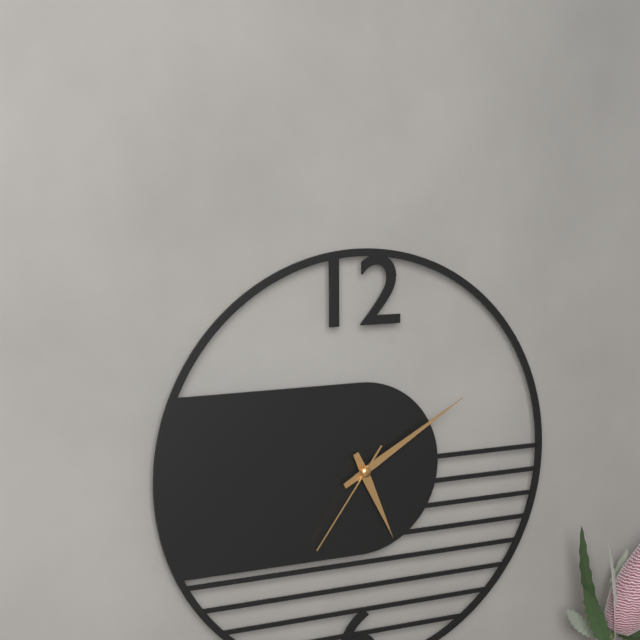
5:10:36
